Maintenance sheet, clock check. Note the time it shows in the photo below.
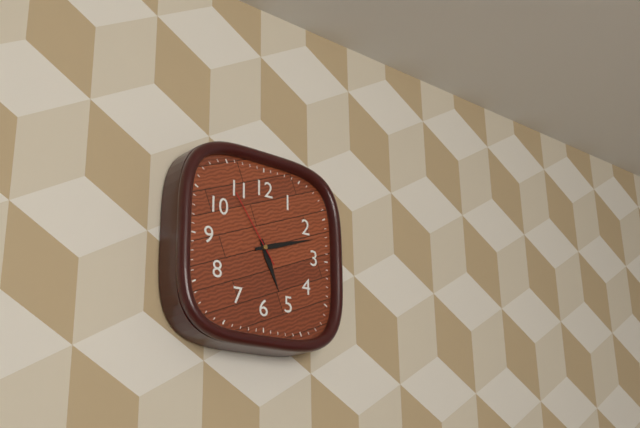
5:12:54
